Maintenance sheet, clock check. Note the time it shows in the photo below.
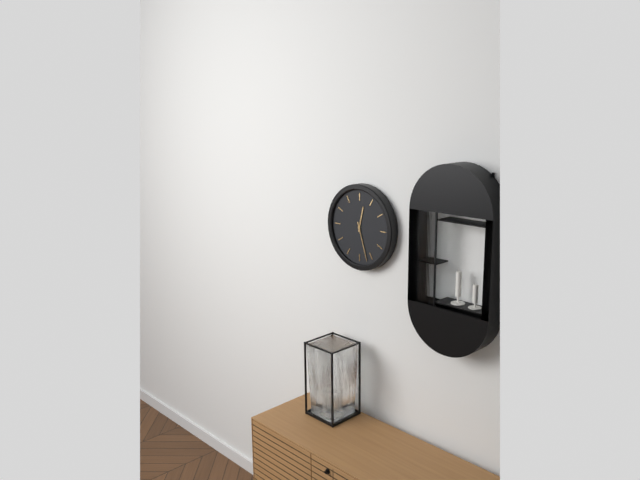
12:27
